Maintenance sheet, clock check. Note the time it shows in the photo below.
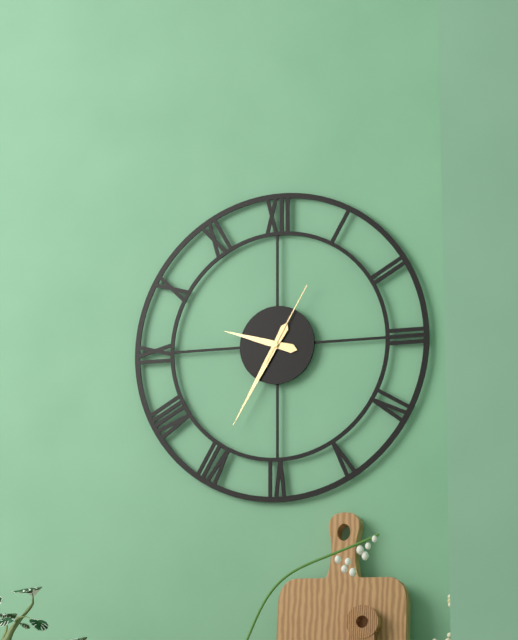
9:35:05
